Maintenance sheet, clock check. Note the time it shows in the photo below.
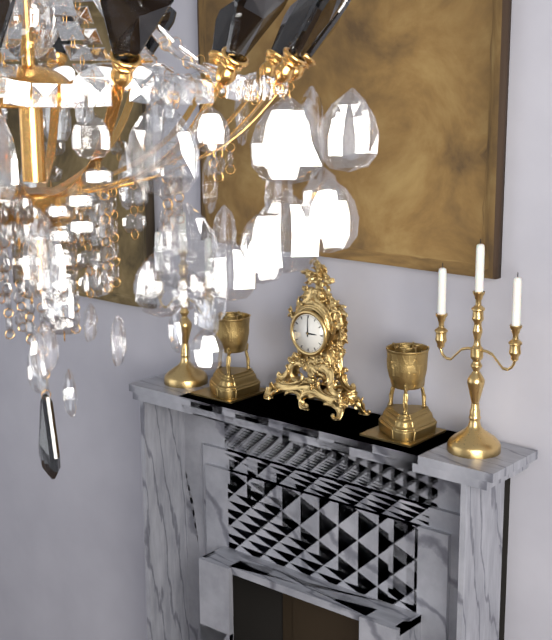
3:00
